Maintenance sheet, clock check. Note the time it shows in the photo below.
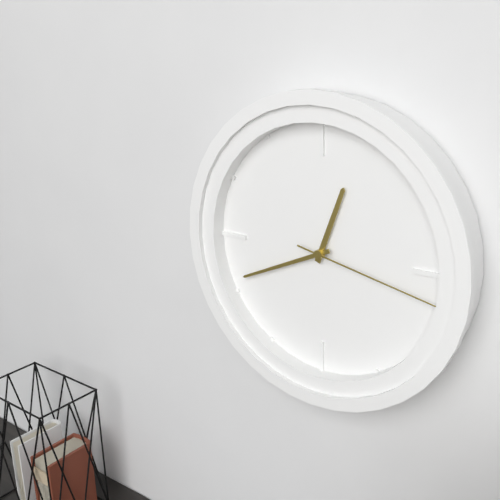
12:41:17
